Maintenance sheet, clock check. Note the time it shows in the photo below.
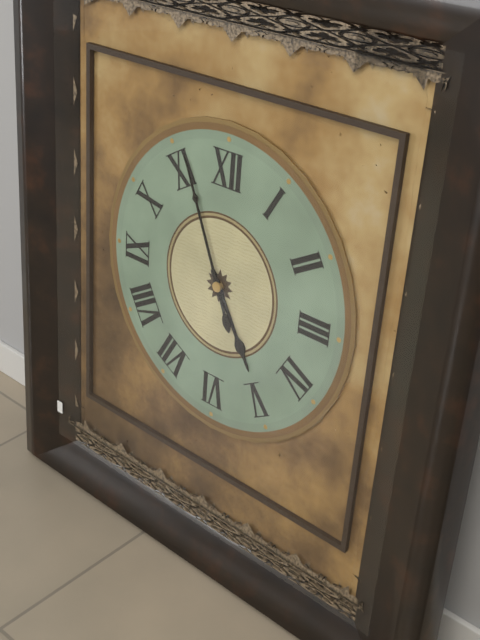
4:56
